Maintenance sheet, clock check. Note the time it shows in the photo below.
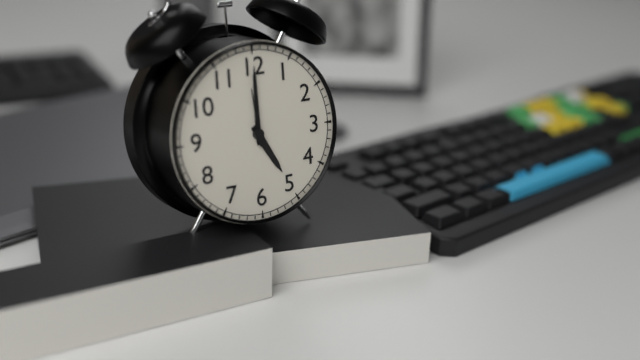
5:00:59
